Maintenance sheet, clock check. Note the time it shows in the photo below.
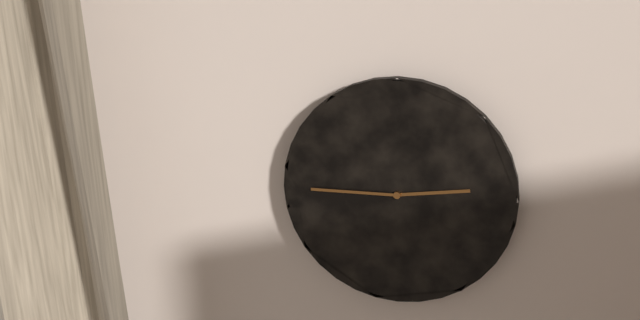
2:45
